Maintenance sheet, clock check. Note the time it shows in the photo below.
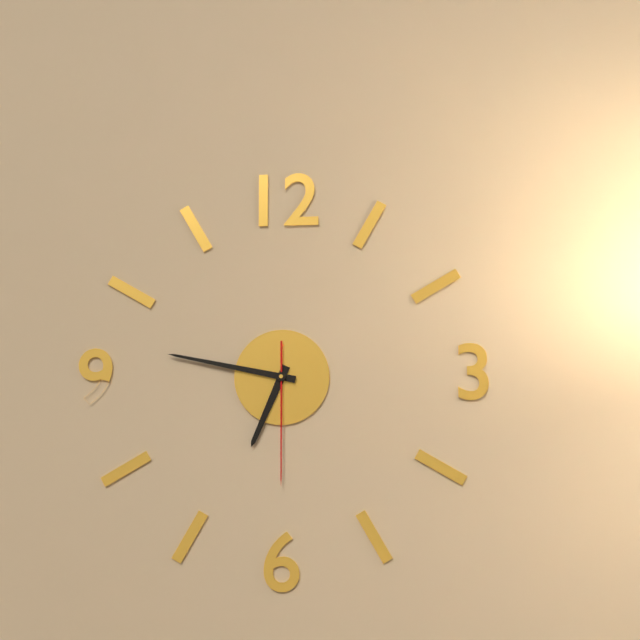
6:47:30
